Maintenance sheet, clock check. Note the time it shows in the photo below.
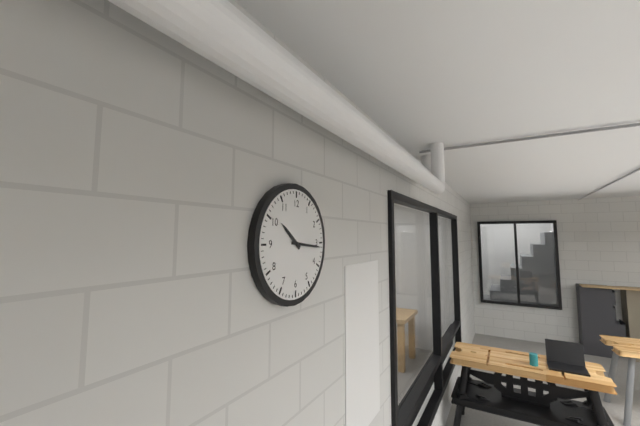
10:16
